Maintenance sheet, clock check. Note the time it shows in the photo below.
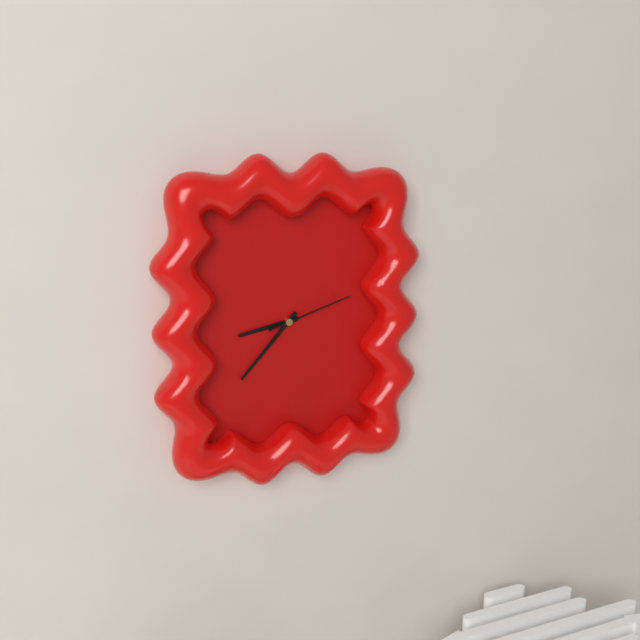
8:37:12
